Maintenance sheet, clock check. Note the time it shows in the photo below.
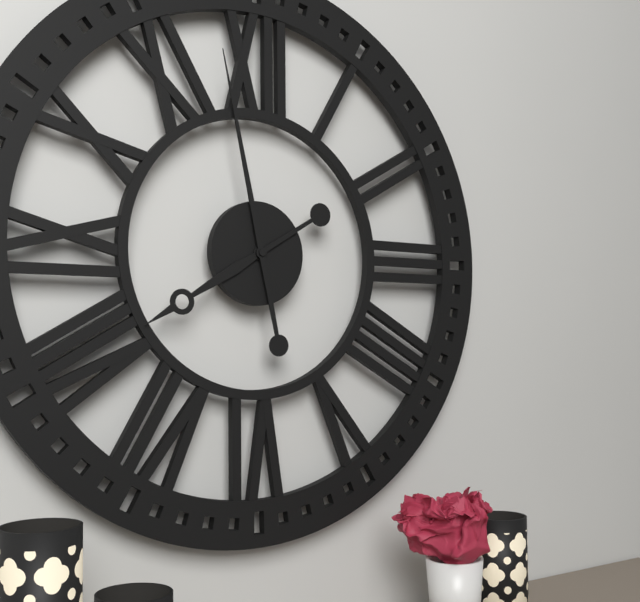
7:58
